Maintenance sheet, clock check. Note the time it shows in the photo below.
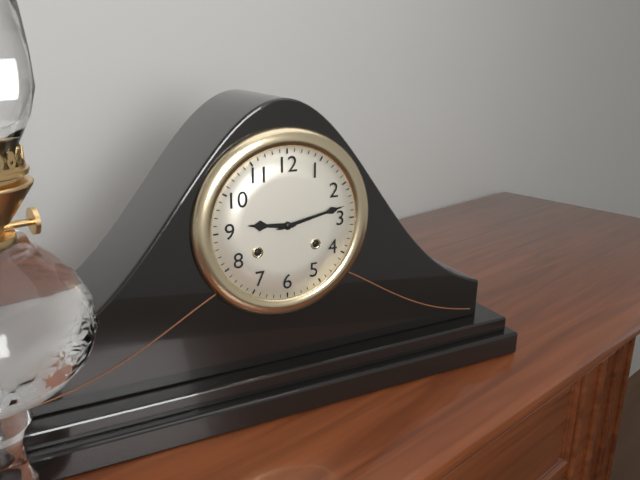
9:13
